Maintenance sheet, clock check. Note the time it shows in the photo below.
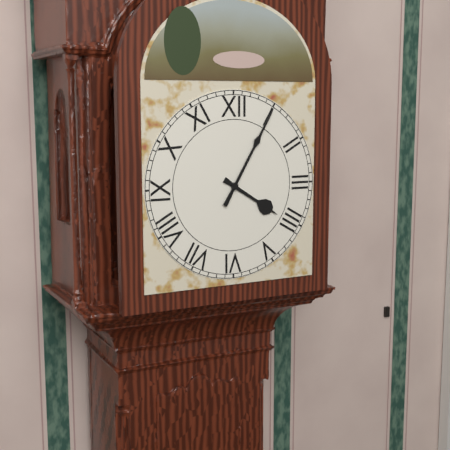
4:05
